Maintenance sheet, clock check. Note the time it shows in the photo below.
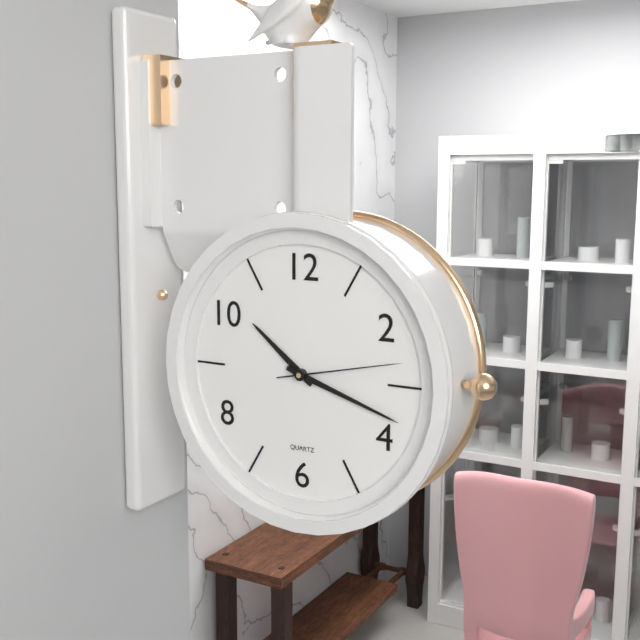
10:18:13
